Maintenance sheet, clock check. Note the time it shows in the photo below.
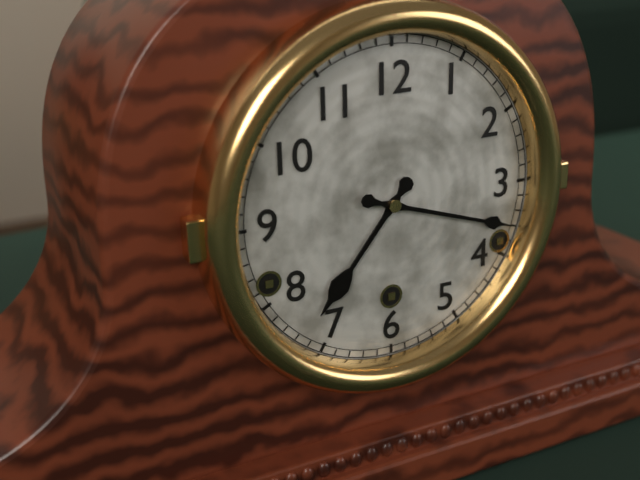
7:18
